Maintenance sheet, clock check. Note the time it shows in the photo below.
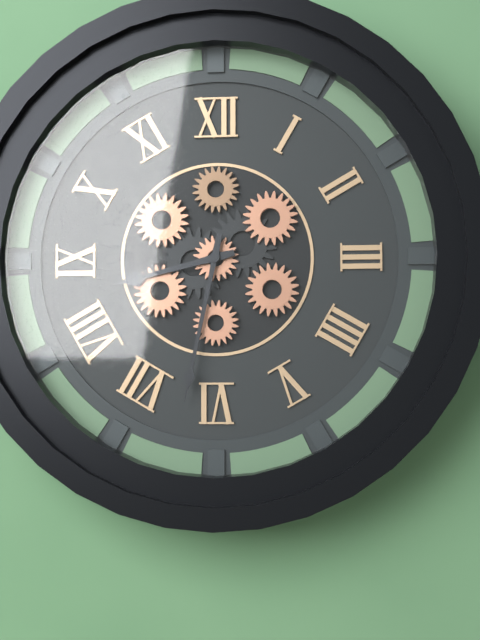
8:32
